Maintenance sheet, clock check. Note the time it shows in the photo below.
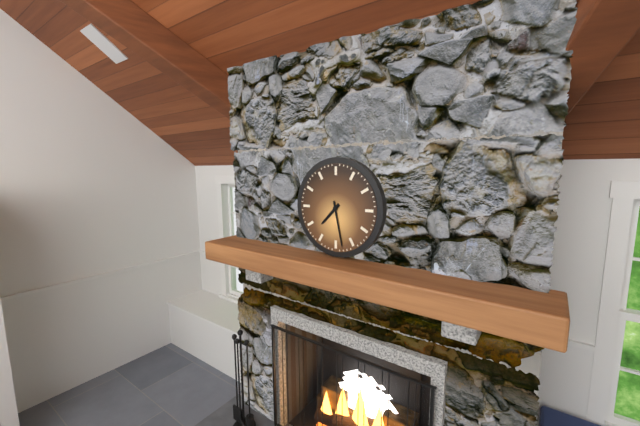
7:28
